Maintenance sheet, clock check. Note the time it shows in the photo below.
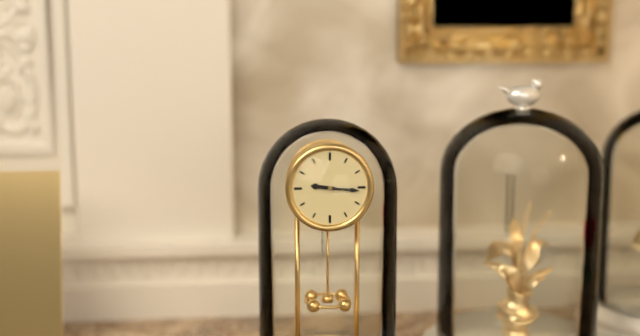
9:16
